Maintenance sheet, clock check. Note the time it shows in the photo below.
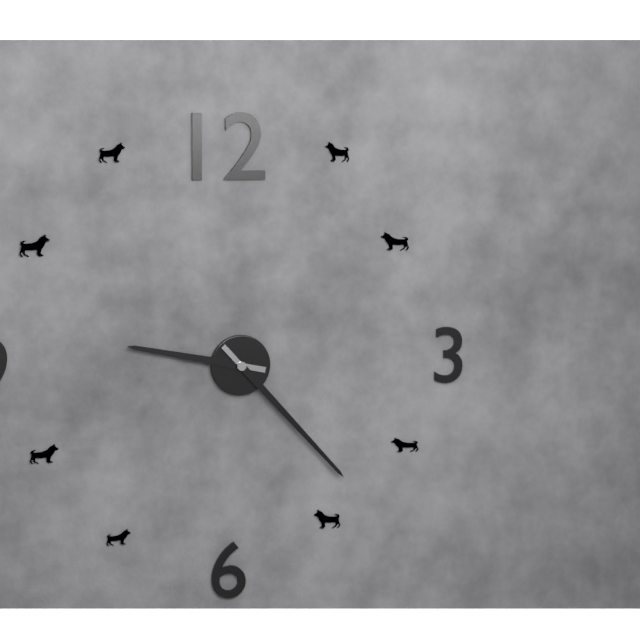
9:23
